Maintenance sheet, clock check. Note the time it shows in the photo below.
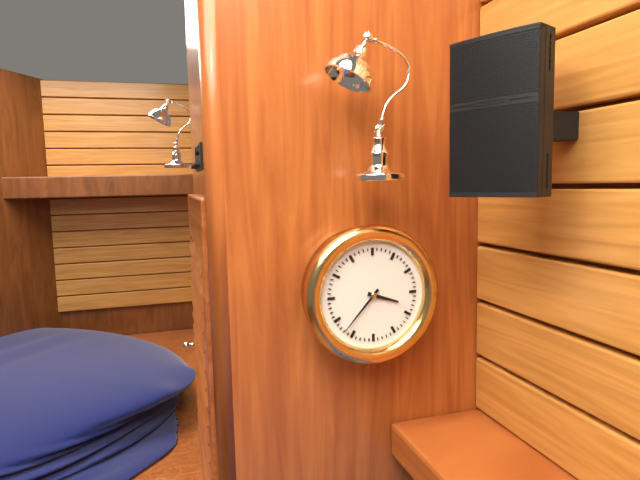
3:37
